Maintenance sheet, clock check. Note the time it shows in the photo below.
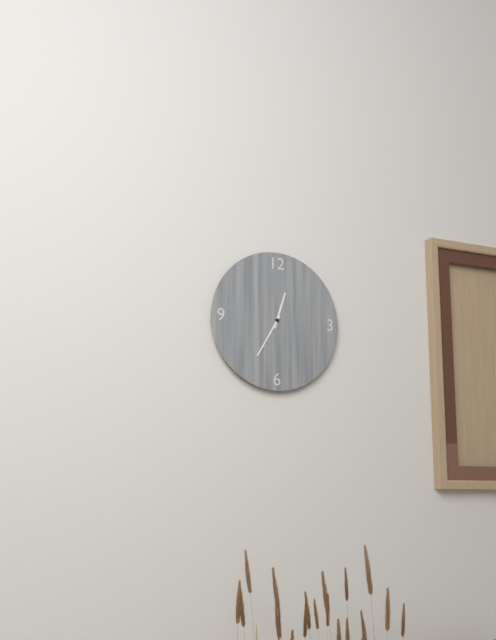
12:35
